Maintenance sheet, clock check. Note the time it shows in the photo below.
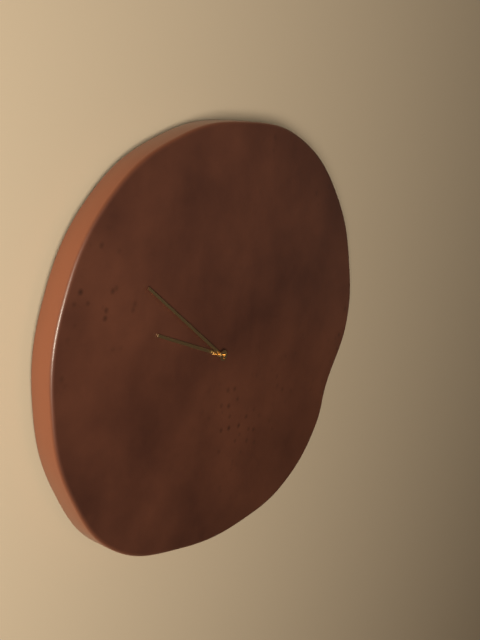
9:52
